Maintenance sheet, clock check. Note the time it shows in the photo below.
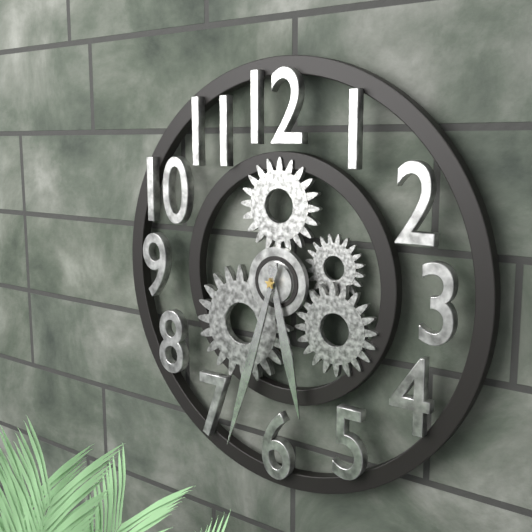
5:33
